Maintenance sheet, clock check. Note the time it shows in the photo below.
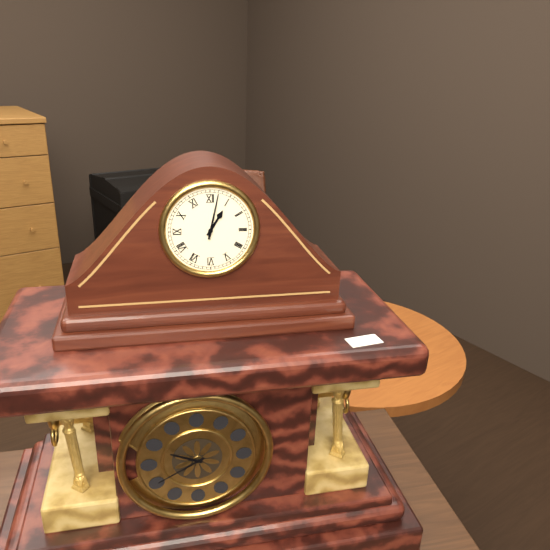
1:02
